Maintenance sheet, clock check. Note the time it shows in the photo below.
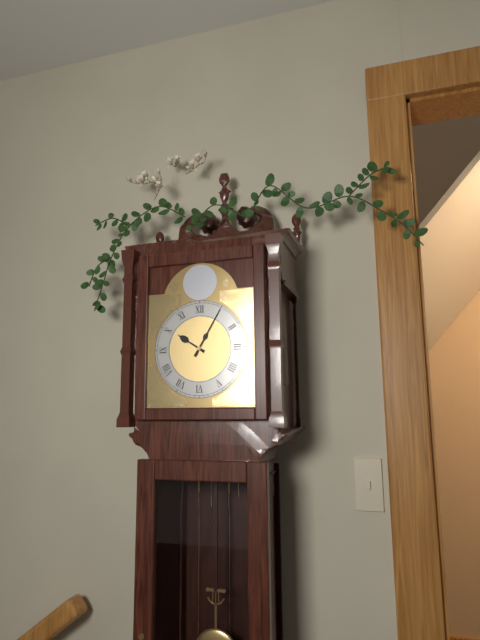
10:05
